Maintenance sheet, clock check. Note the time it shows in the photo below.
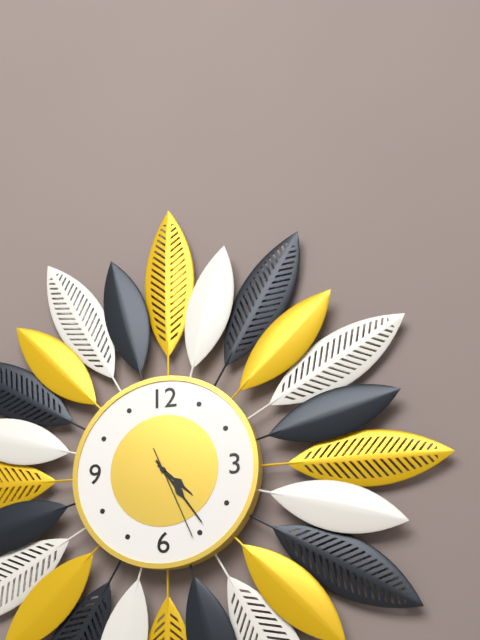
4:24:26
